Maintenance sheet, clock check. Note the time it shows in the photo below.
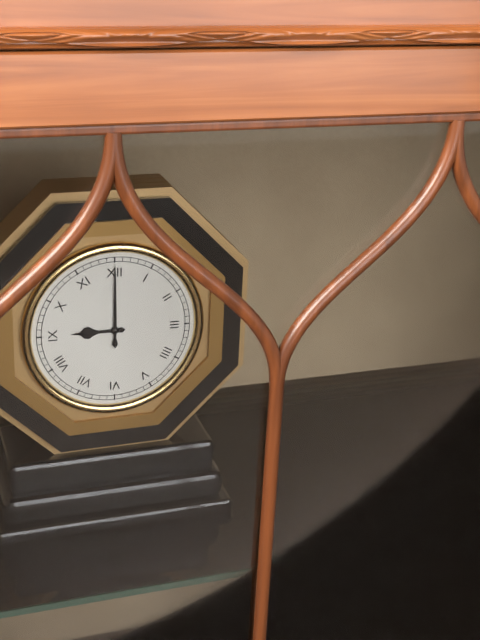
9:00
